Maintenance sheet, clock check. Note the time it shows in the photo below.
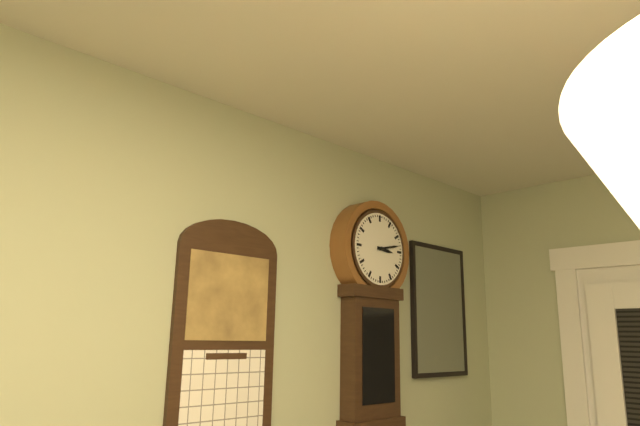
3:13
